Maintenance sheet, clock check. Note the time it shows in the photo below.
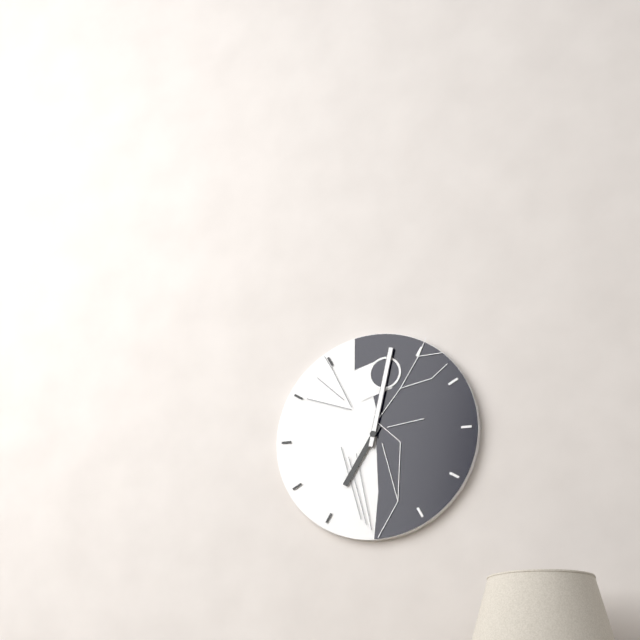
7:02
